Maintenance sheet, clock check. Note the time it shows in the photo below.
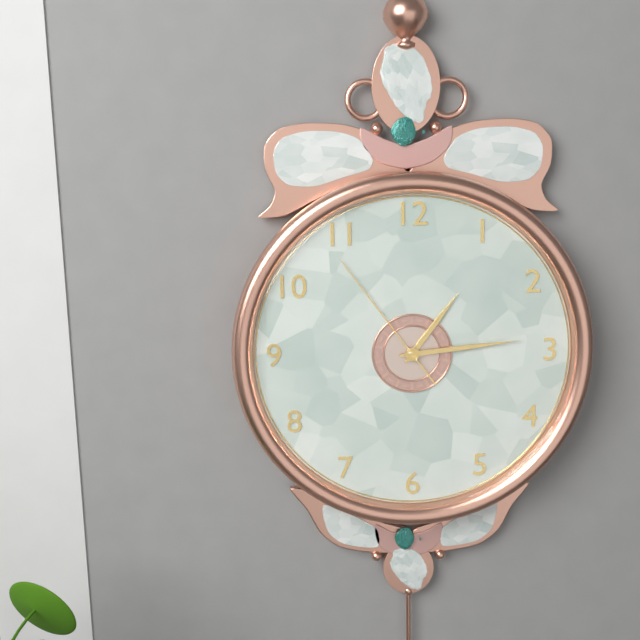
1:14:54
